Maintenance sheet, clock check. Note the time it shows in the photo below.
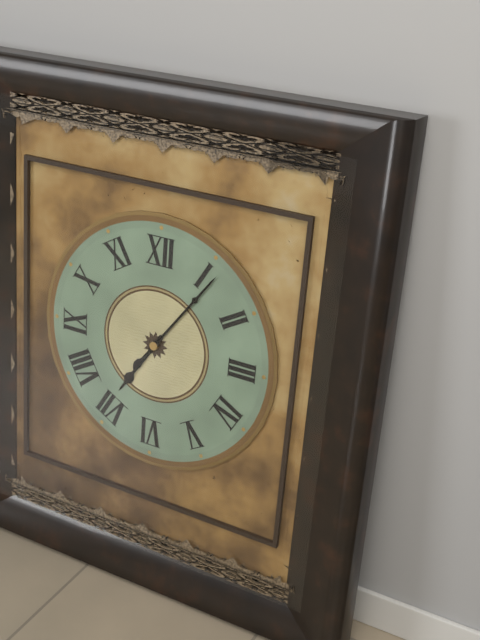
7:06
